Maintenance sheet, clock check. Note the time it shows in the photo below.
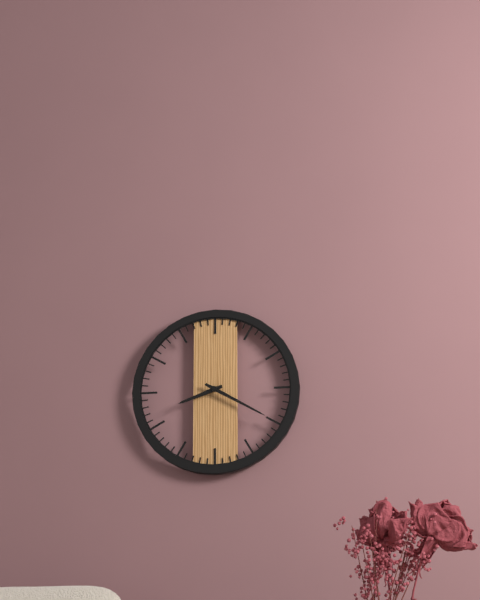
8:20
